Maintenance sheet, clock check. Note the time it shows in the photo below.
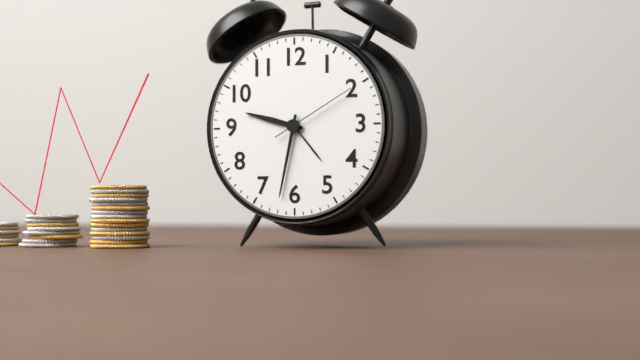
9:32:10
